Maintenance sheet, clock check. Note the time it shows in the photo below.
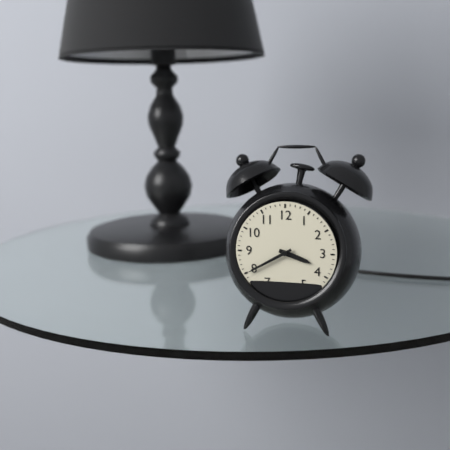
3:40
